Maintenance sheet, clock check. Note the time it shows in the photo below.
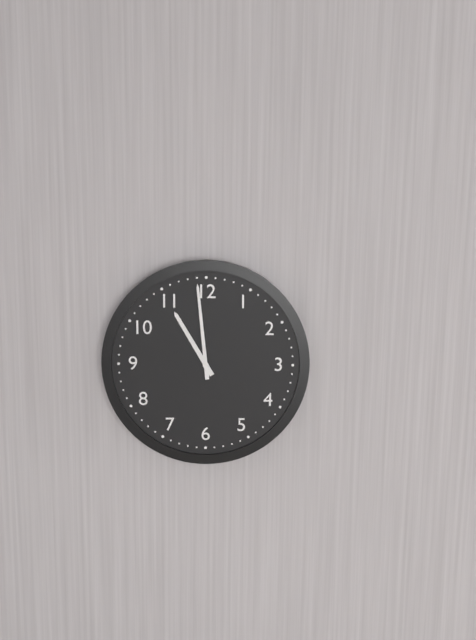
10:59
